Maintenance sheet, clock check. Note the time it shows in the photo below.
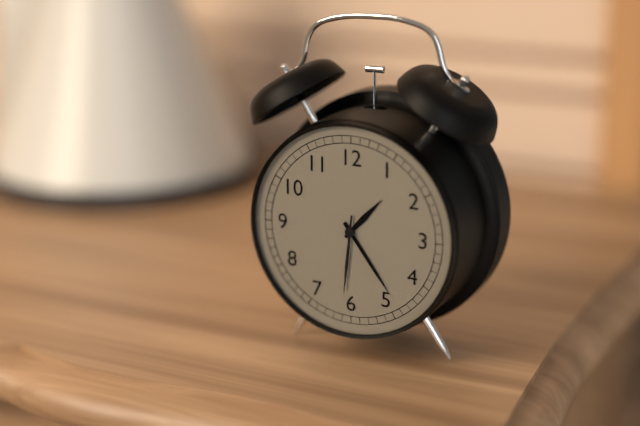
1:24:31
